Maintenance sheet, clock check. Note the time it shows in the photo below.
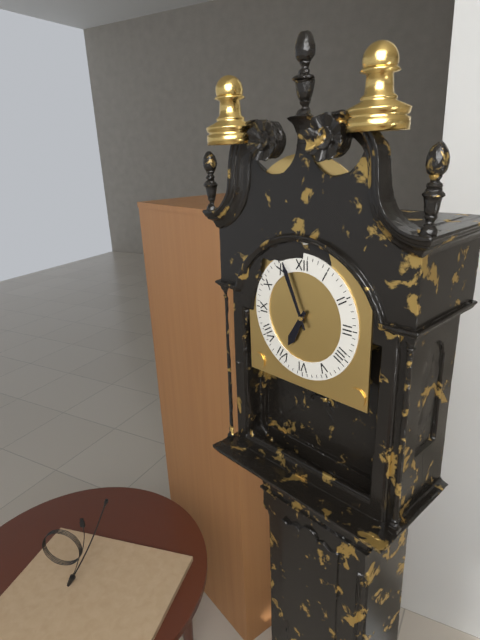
6:56
